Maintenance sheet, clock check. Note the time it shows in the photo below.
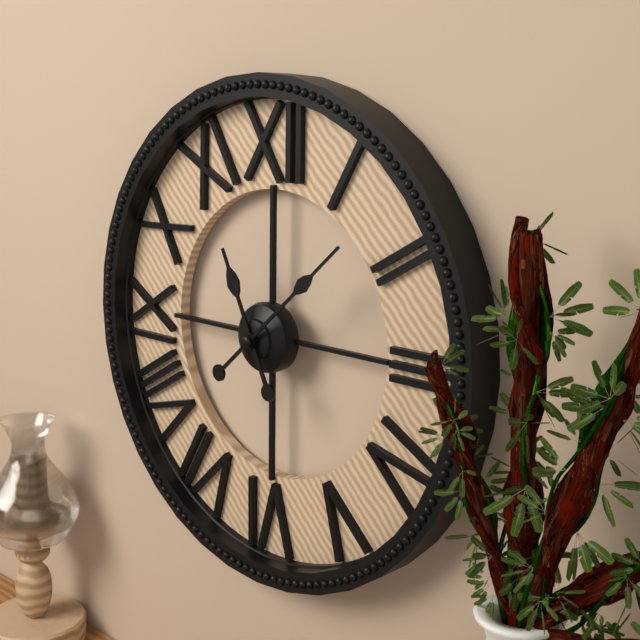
11:08
